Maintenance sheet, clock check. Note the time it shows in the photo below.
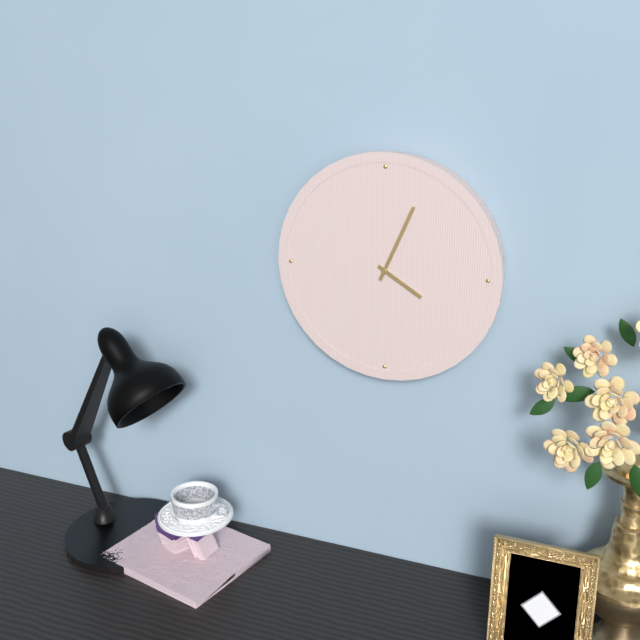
4:04
